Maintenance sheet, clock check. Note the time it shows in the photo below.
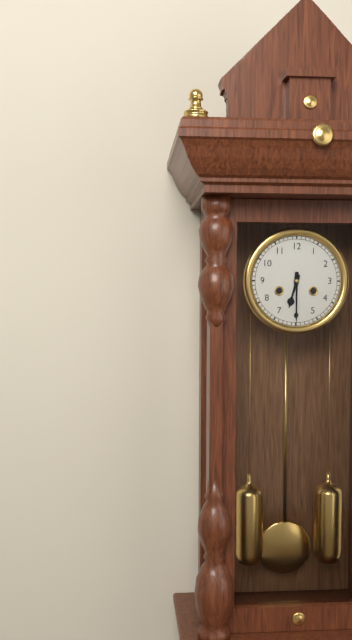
6:30
